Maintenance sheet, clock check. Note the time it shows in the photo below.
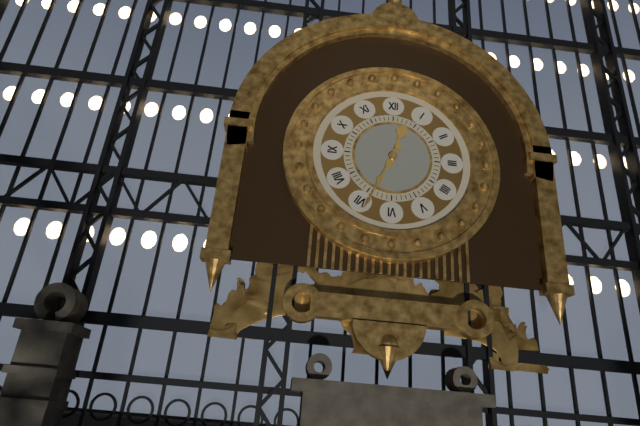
12:34
